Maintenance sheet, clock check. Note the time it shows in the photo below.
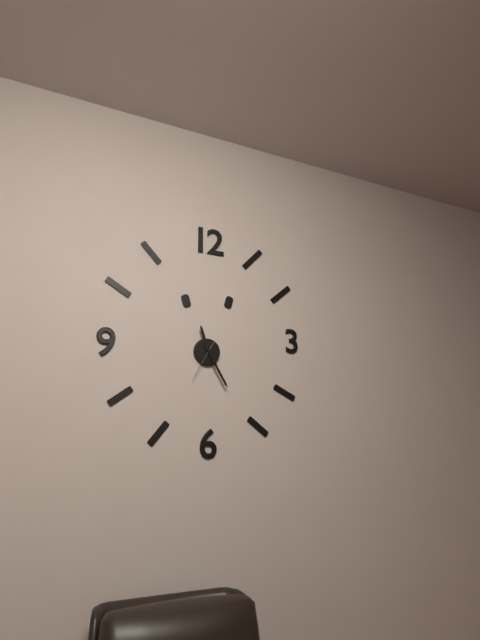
11:25
